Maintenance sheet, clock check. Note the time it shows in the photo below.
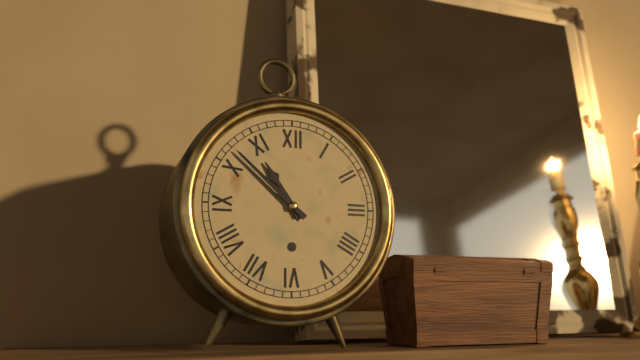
10:52
